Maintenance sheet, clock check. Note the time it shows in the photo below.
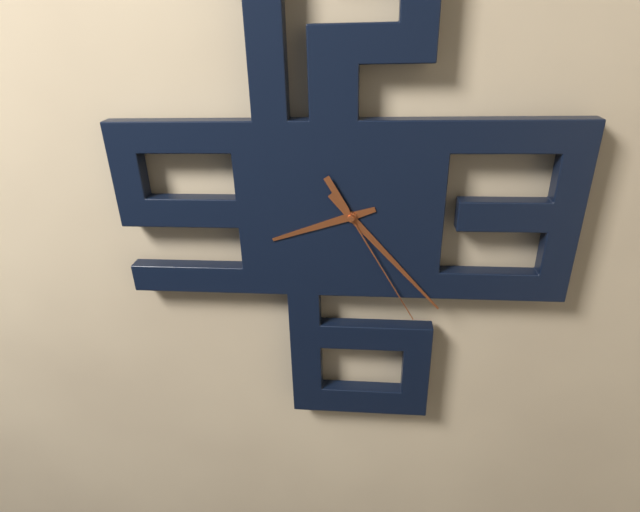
8:23:25
